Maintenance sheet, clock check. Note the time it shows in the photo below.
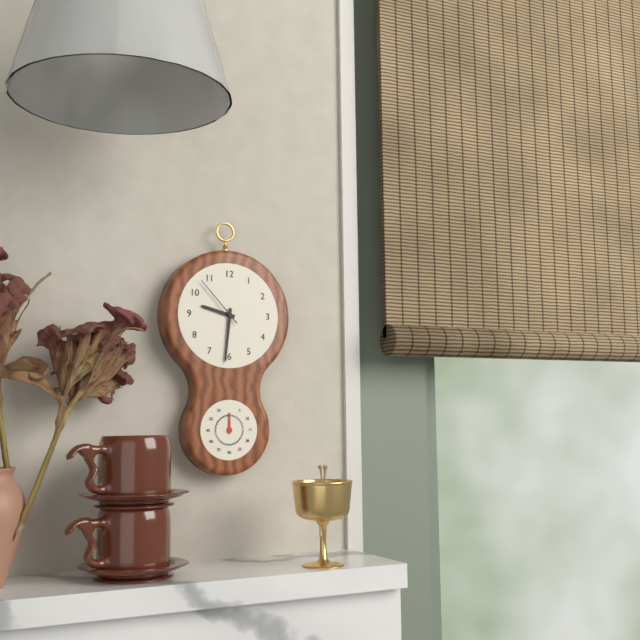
9:31:53
